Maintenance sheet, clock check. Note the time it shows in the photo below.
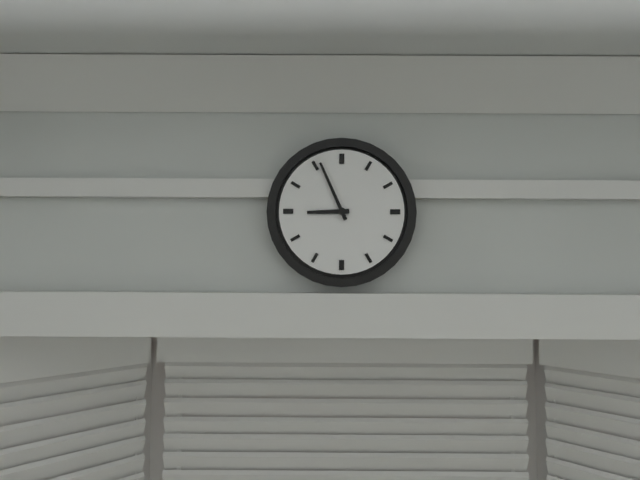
8:56
